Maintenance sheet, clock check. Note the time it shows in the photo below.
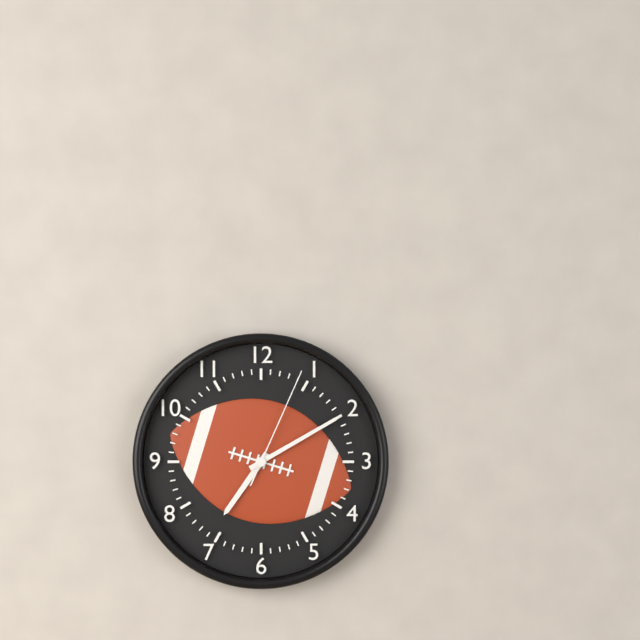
7:10:04
